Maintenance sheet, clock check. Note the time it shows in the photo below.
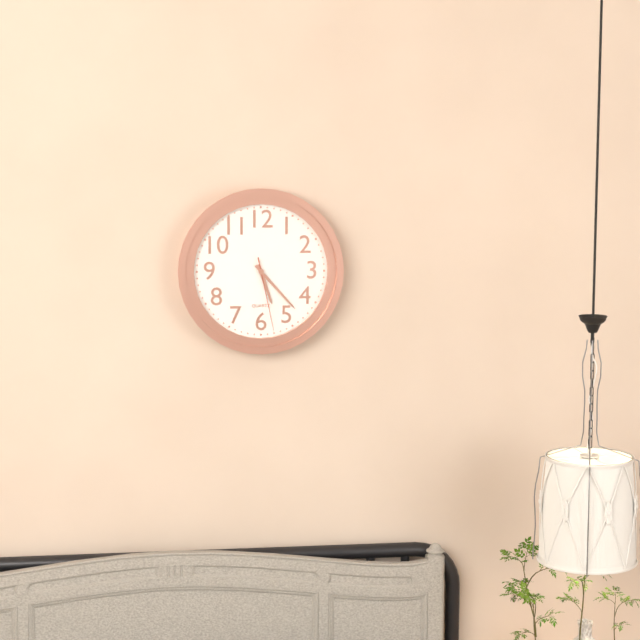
5:23:28
